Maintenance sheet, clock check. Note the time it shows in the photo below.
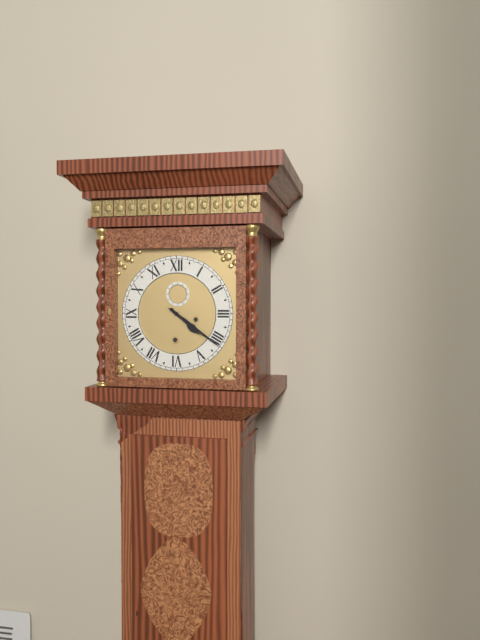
4:21
